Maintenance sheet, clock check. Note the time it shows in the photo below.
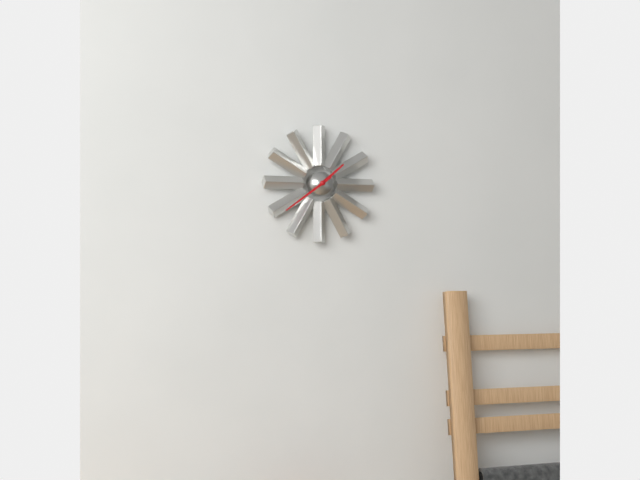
1:39
